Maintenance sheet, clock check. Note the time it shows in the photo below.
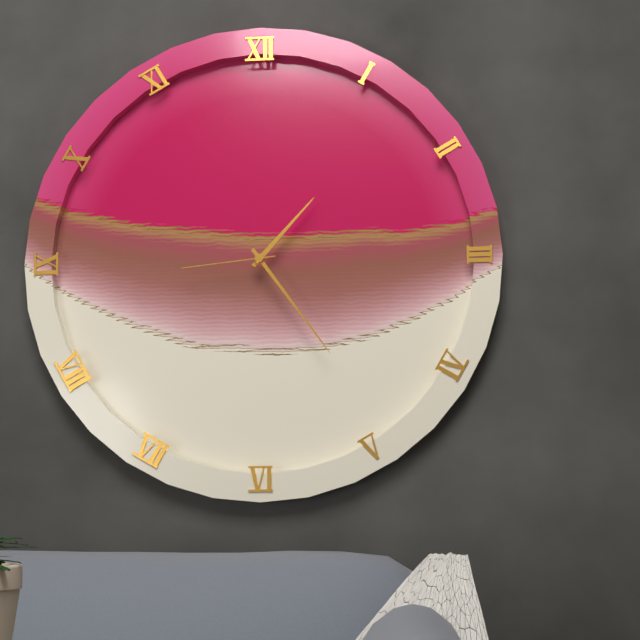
1:24:44
